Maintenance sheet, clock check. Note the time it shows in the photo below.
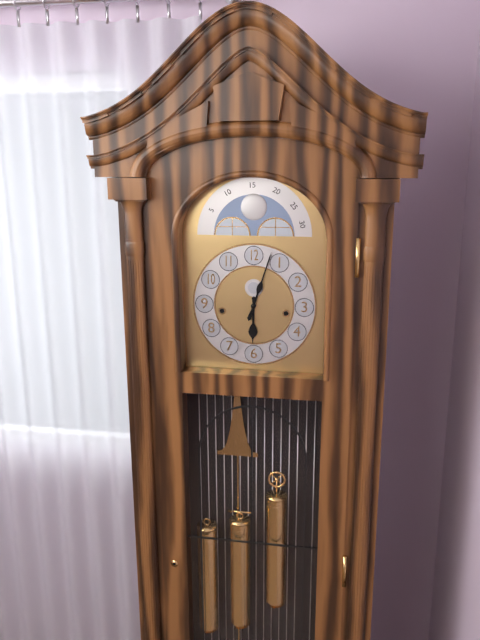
6:03
